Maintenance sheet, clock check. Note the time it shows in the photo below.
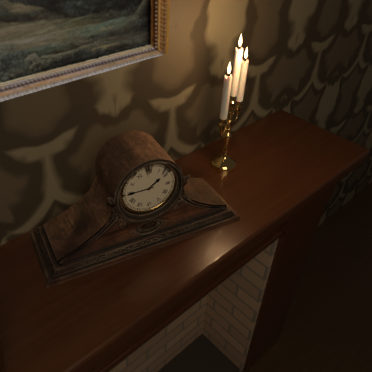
1:45
